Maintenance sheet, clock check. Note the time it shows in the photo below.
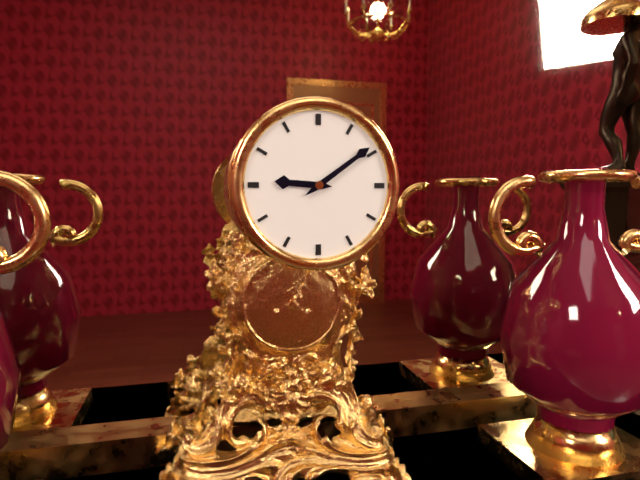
9:09
